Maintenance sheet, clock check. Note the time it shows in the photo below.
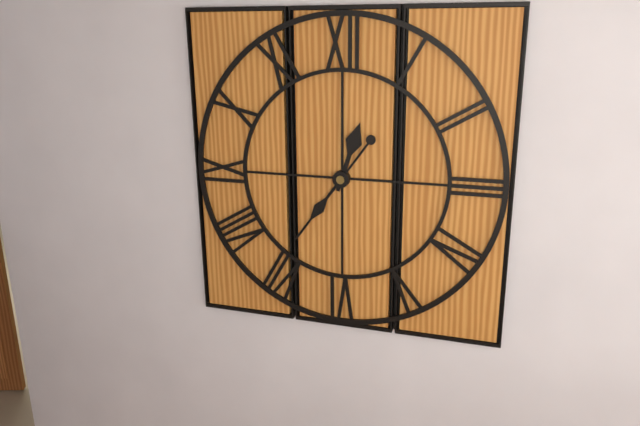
12:36
